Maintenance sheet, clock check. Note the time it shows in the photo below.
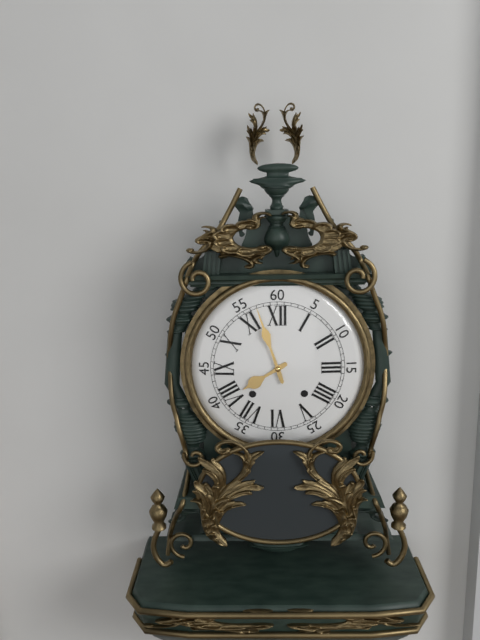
7:57
